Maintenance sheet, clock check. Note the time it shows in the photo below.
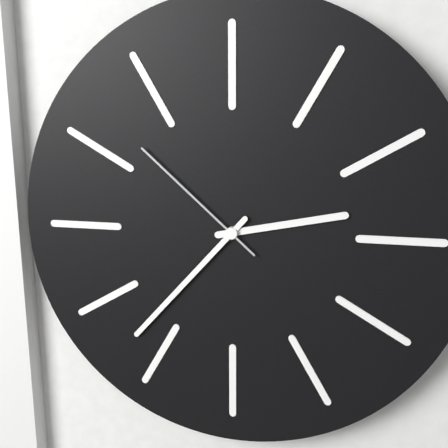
2:37:52
